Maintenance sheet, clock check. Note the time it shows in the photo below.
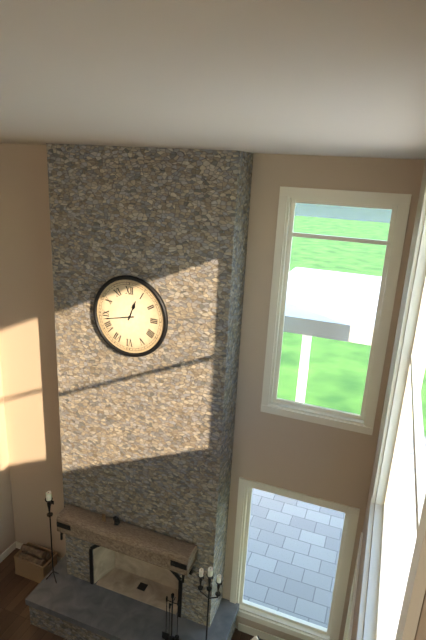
12:43
